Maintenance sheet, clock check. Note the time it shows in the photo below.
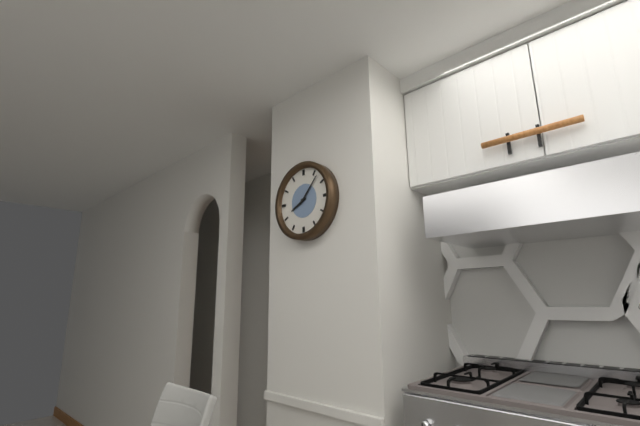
8:07
